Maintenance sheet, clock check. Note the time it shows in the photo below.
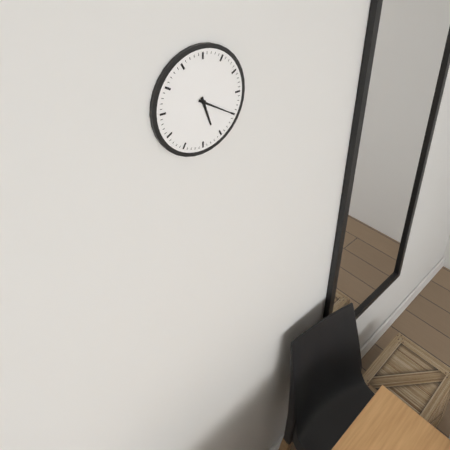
5:20
